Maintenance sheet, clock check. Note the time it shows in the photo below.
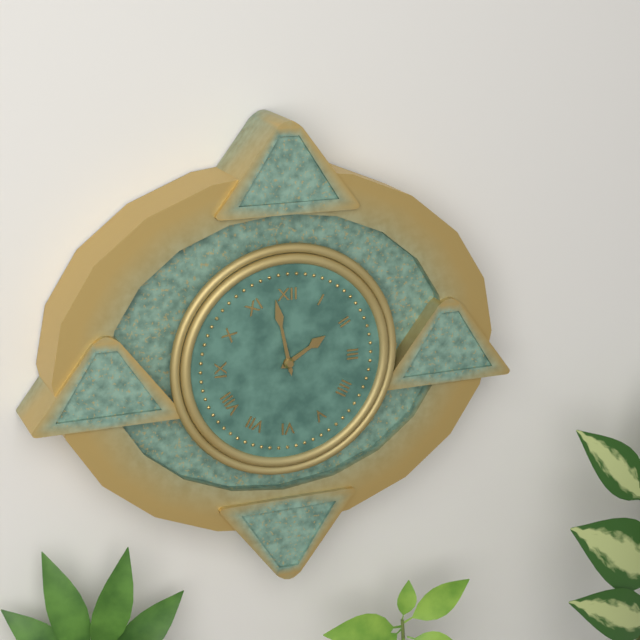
1:58
